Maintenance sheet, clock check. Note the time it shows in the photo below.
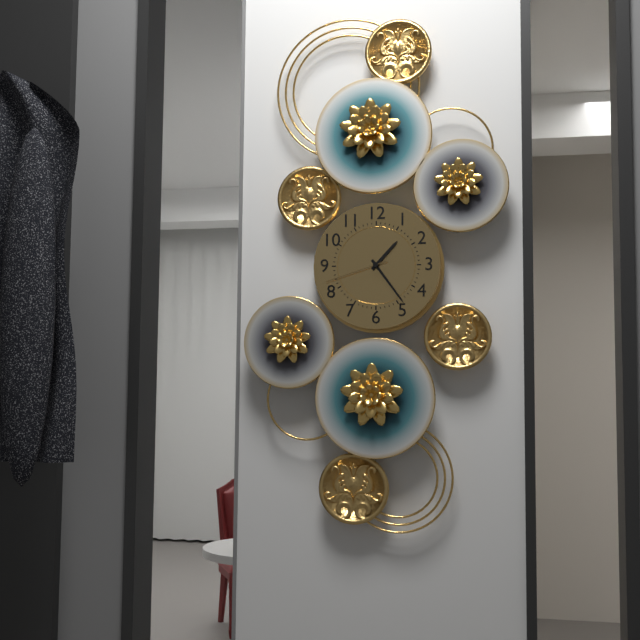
1:24:42
